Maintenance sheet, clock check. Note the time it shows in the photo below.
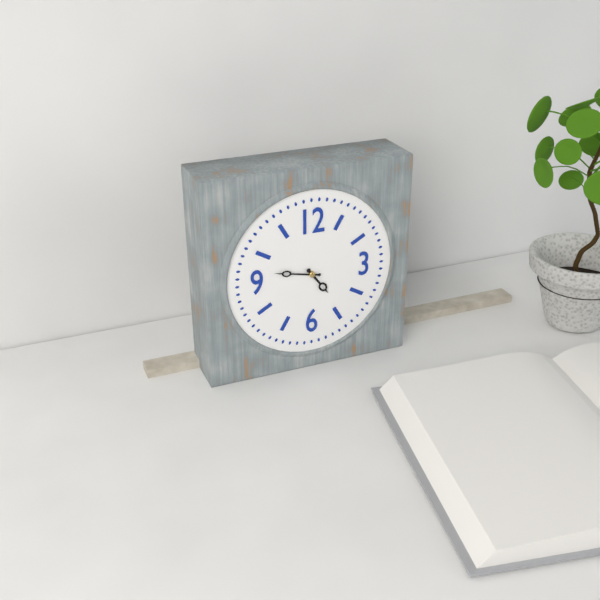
4:47
